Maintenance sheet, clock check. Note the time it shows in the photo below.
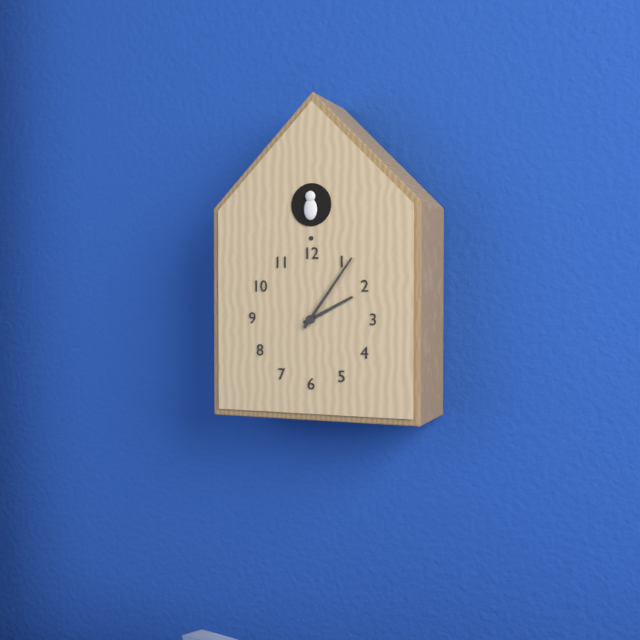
2:06
